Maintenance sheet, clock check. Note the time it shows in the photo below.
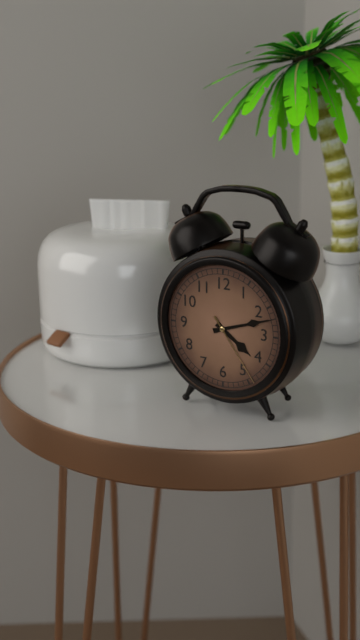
4:12:24
